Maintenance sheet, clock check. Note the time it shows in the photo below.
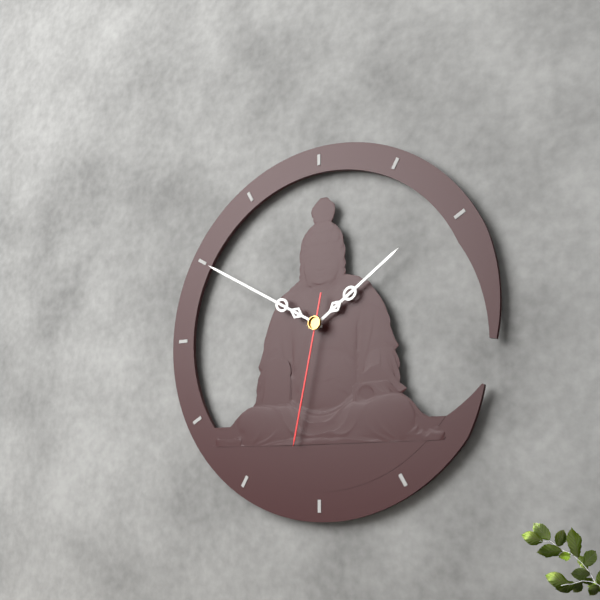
1:50:32
